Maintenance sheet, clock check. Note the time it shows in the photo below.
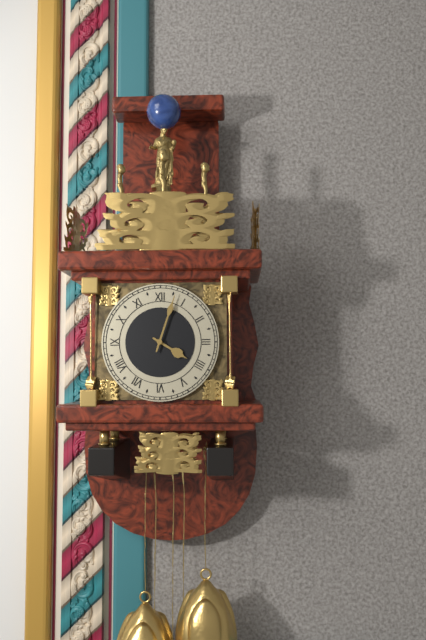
4:03
